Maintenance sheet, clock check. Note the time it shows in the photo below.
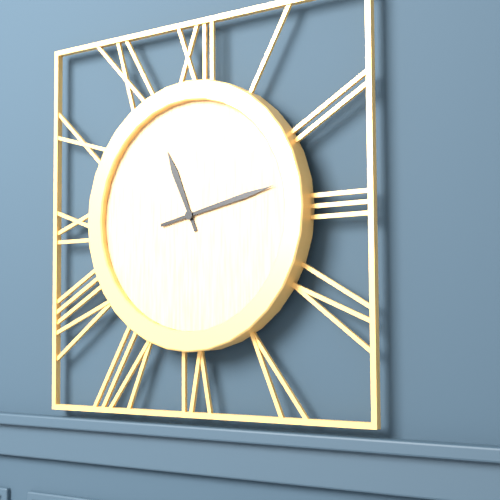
11:13
